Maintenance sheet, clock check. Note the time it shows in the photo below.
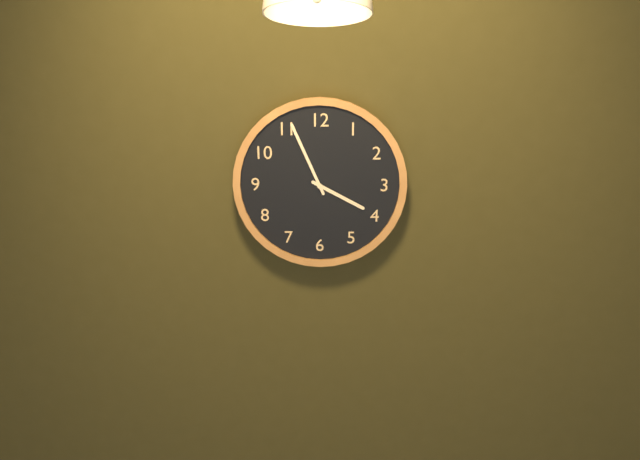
3:56
